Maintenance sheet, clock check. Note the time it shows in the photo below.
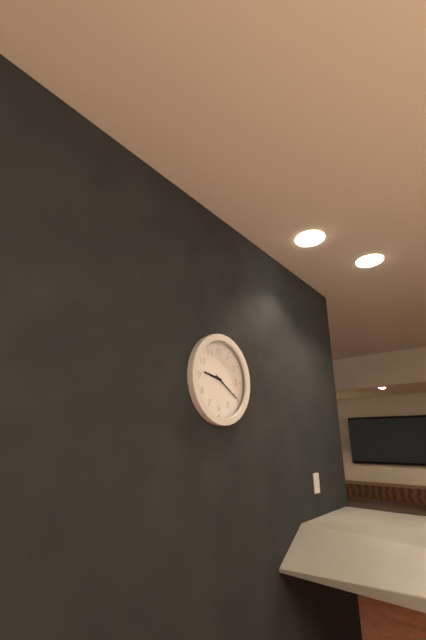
9:20
